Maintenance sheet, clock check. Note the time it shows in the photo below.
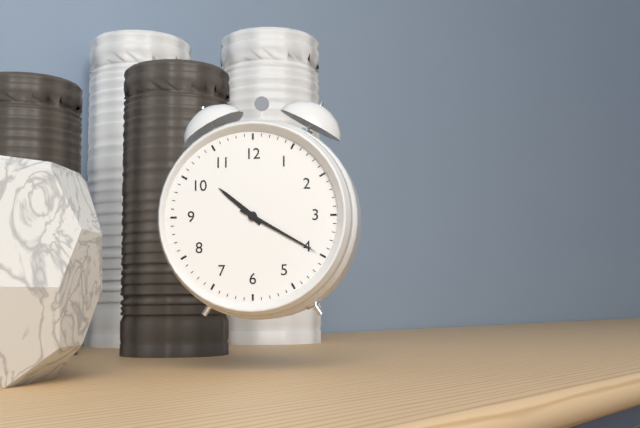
10:20
